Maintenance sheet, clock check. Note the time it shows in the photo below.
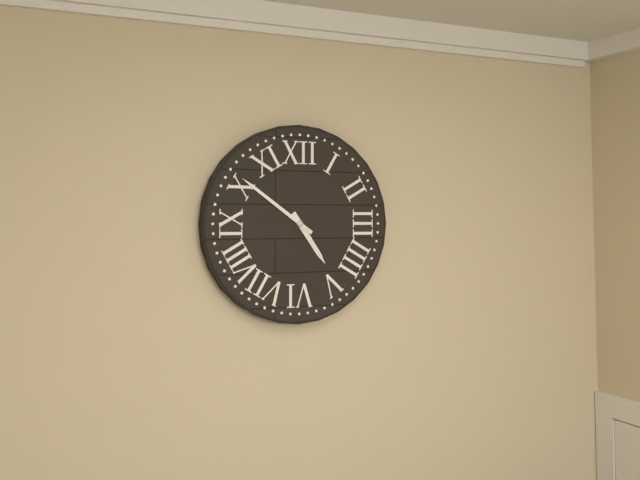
4:51
